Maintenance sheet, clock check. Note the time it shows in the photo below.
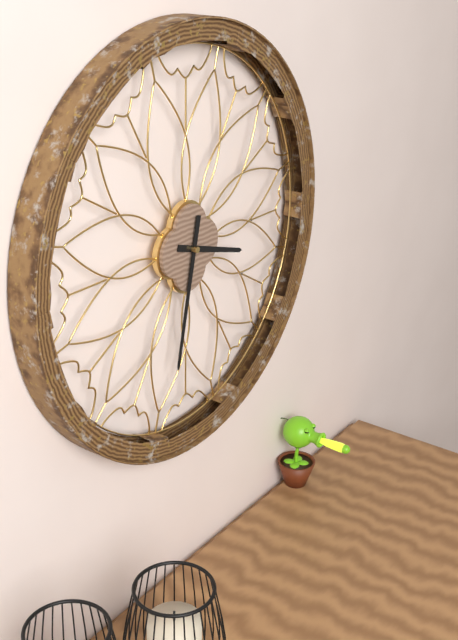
3:32
